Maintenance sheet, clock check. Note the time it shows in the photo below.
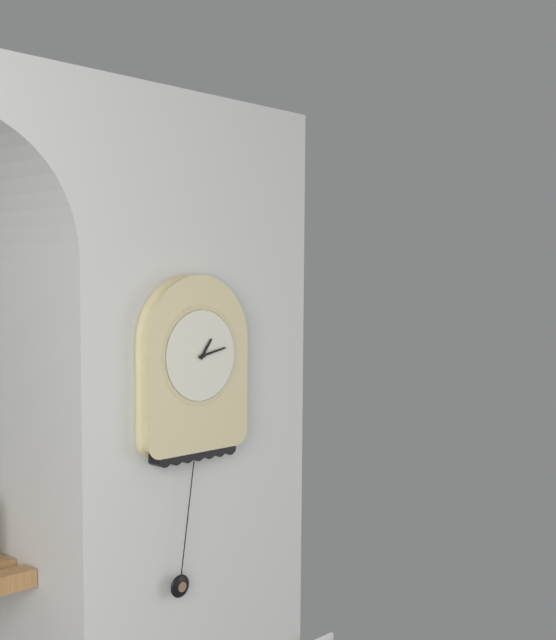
1:13
